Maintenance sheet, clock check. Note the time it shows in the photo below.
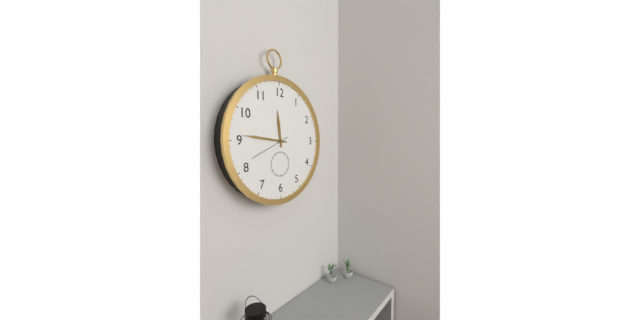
11:46
